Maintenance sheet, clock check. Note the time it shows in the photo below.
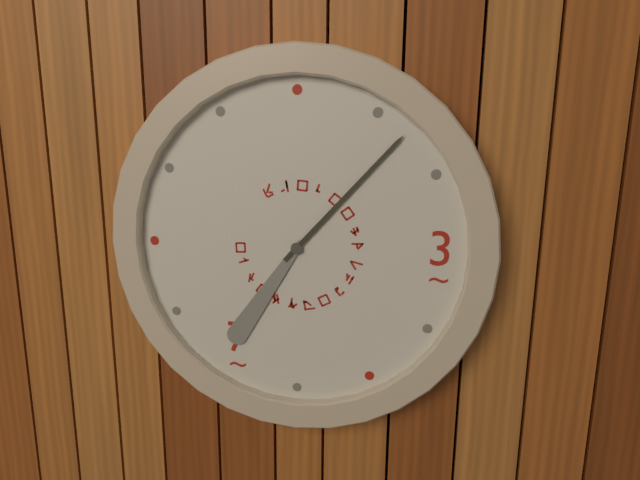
7:07
